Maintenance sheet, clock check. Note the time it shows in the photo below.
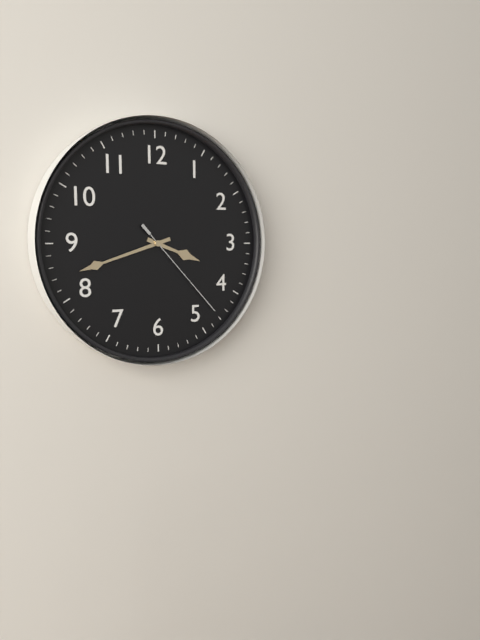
3:42:23
